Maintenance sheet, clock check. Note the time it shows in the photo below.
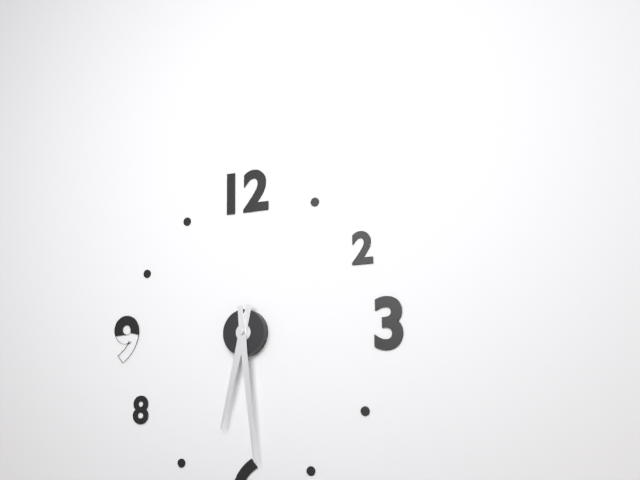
6:29
